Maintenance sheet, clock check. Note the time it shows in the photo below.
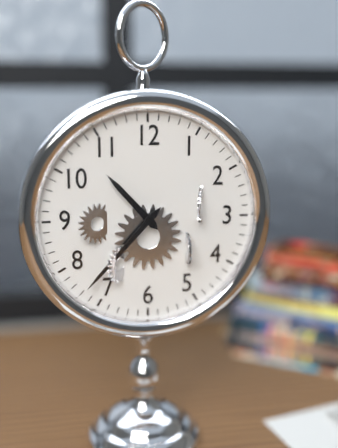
10:37
